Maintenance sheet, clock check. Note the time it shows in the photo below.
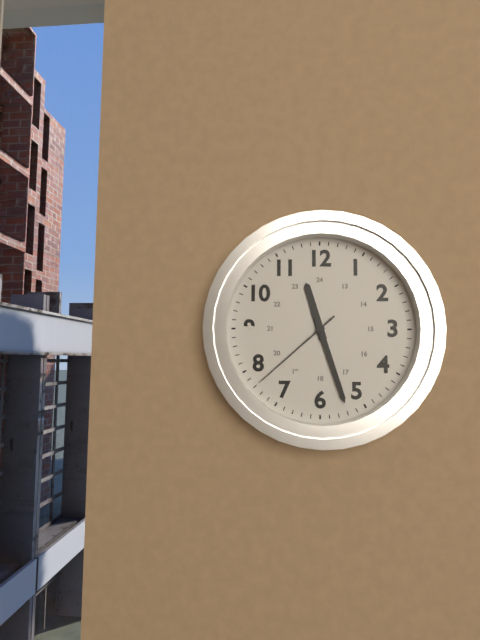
11:27:38
